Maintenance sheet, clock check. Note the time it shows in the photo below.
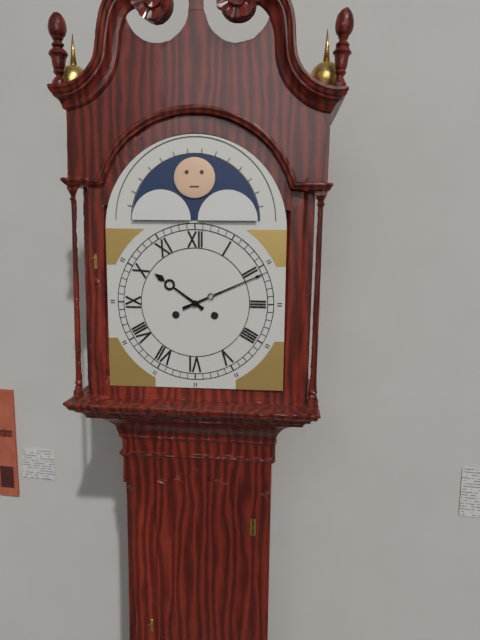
10:11
